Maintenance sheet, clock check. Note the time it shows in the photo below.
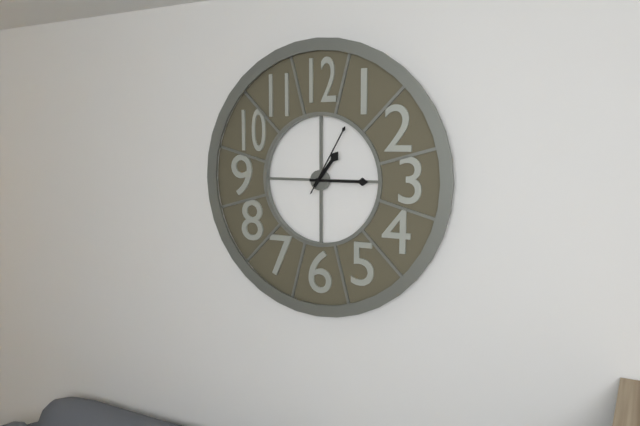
1:15:05
